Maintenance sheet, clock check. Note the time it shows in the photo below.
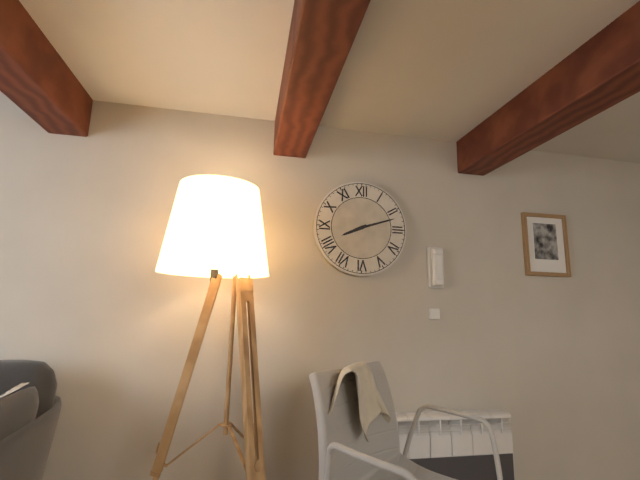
8:12
